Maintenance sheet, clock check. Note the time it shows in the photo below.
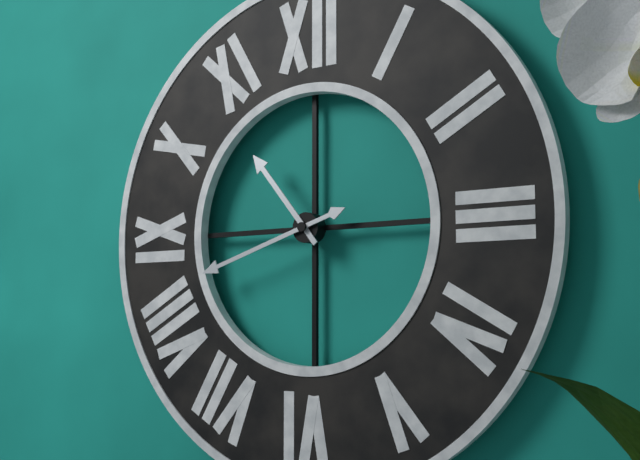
10:42
